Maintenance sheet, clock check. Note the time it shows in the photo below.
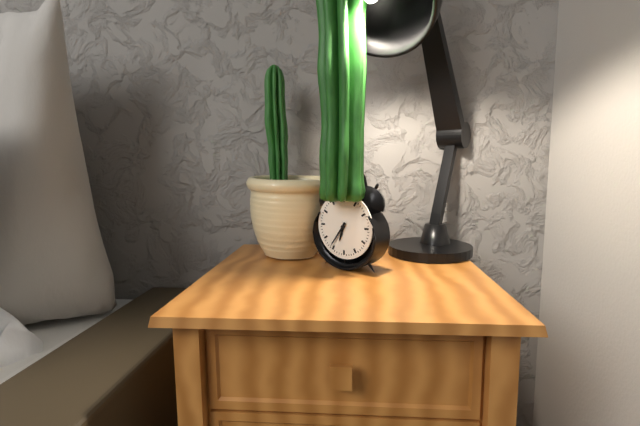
6:36
